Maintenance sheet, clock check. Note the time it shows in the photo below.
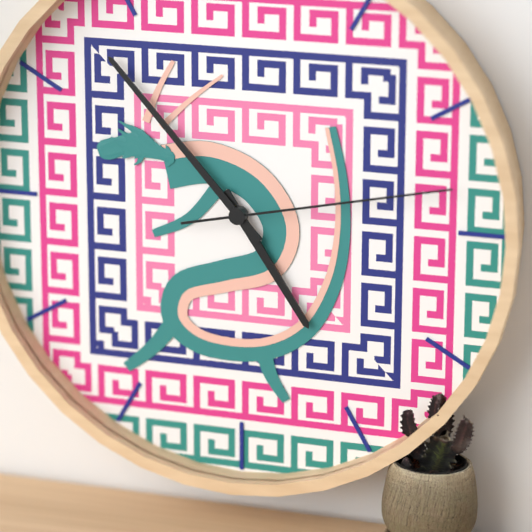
4:53:13
